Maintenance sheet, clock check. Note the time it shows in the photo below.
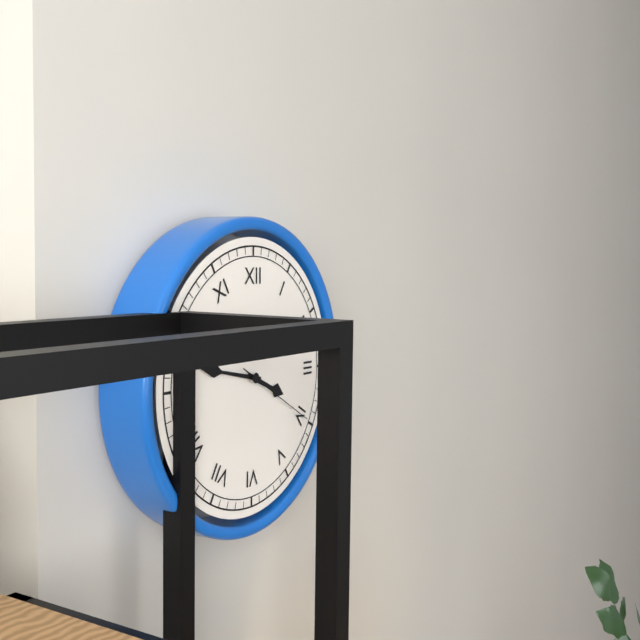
3:47:20
